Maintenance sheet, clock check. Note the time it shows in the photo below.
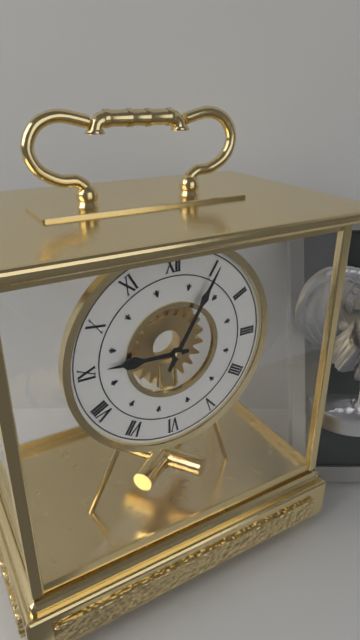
9:05
